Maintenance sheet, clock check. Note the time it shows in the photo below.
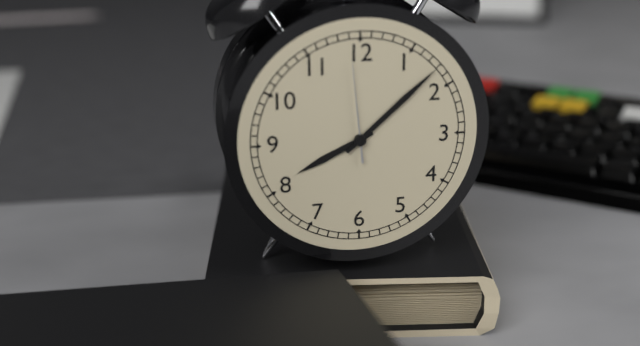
8:08:59
